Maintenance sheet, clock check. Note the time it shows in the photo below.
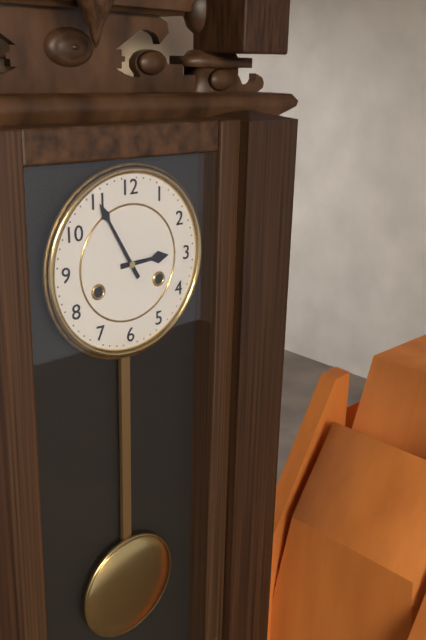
2:55
